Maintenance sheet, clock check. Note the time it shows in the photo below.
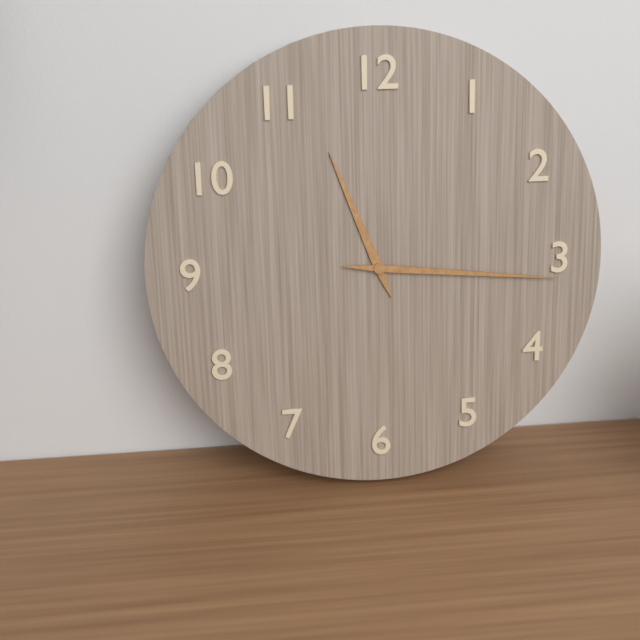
11:16
